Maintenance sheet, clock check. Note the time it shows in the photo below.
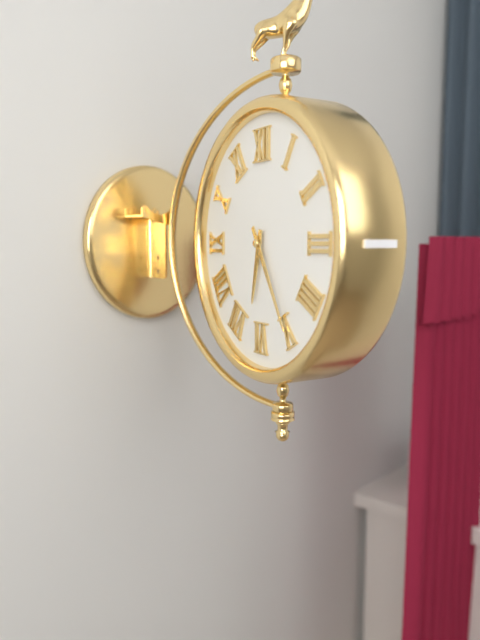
6:25
